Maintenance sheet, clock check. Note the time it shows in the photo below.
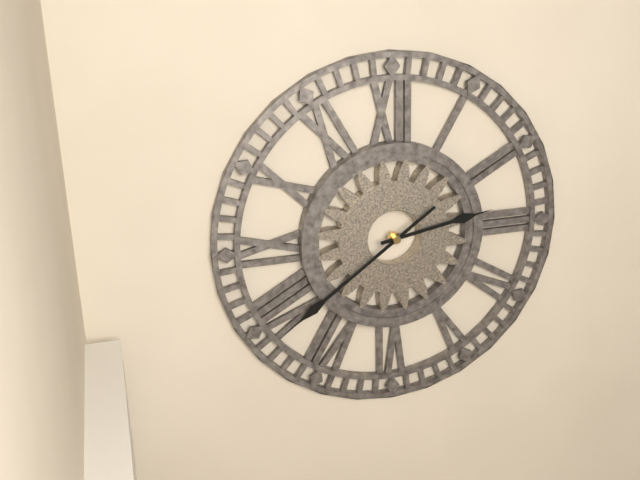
2:39
